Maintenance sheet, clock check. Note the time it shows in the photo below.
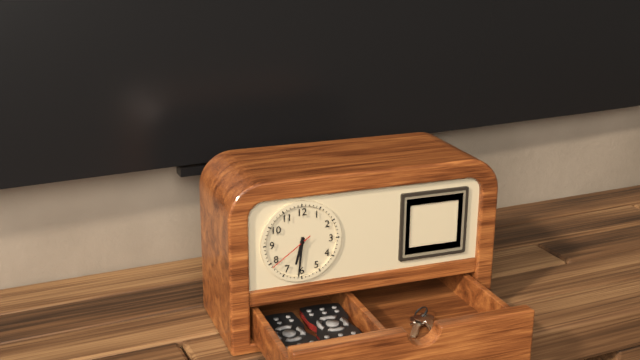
6:31
